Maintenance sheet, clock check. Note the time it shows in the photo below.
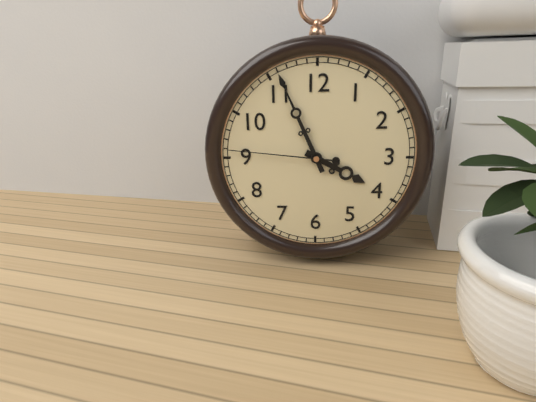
3:56:46
